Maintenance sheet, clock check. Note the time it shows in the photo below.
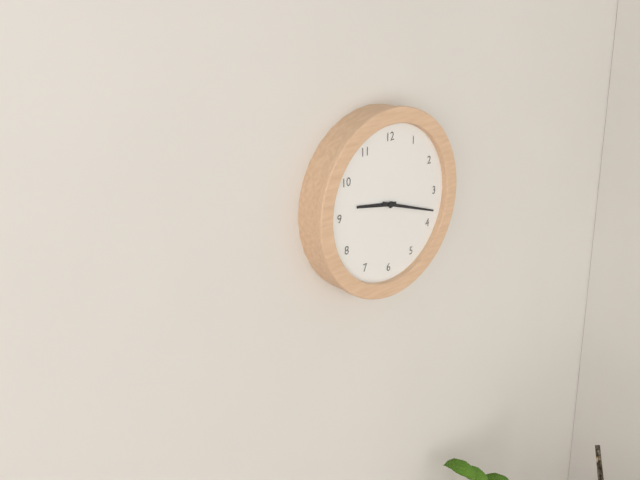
9:18
